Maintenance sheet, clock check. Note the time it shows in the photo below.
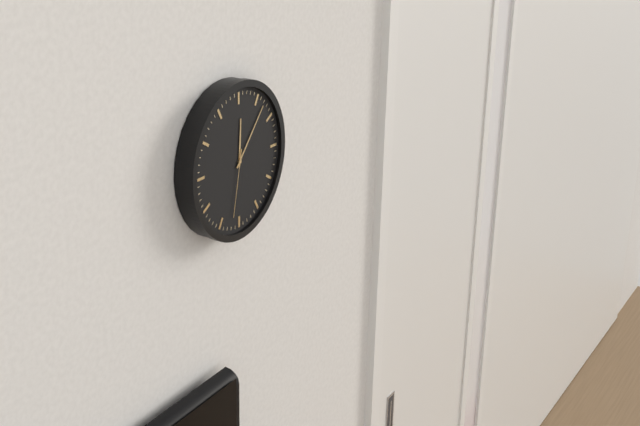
12:07:32
